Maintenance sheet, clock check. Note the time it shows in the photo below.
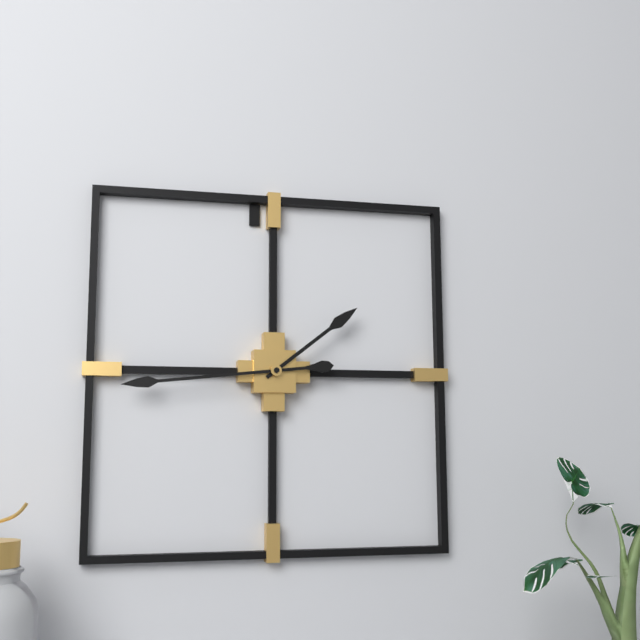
1:44
